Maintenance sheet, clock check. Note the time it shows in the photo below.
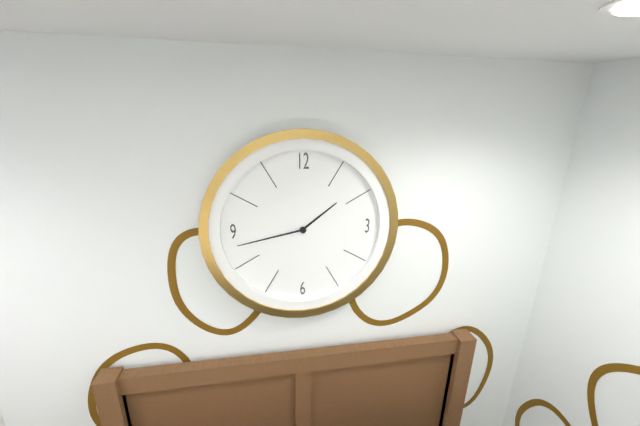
1:43
